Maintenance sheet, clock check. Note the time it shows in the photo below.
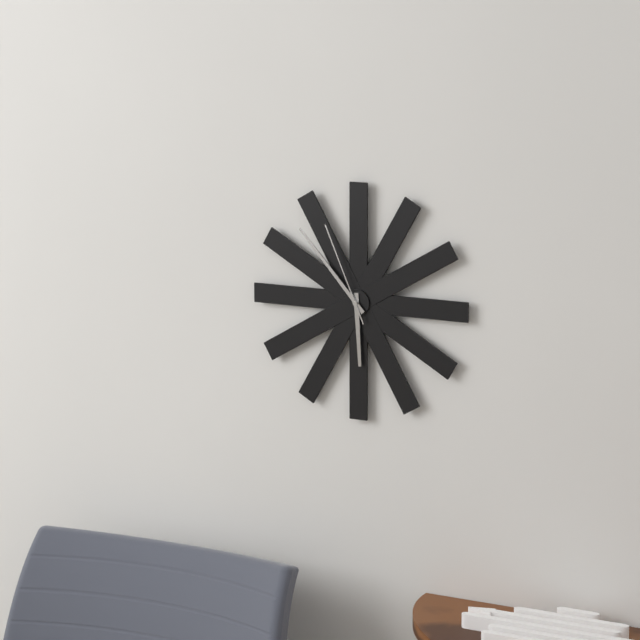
5:53:56
